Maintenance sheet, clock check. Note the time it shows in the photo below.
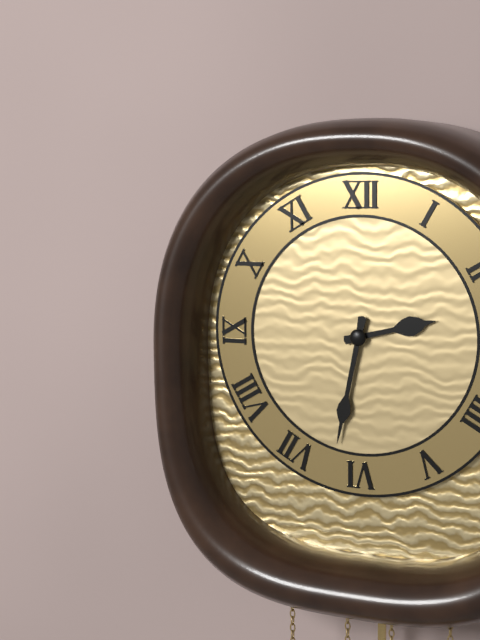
2:32
